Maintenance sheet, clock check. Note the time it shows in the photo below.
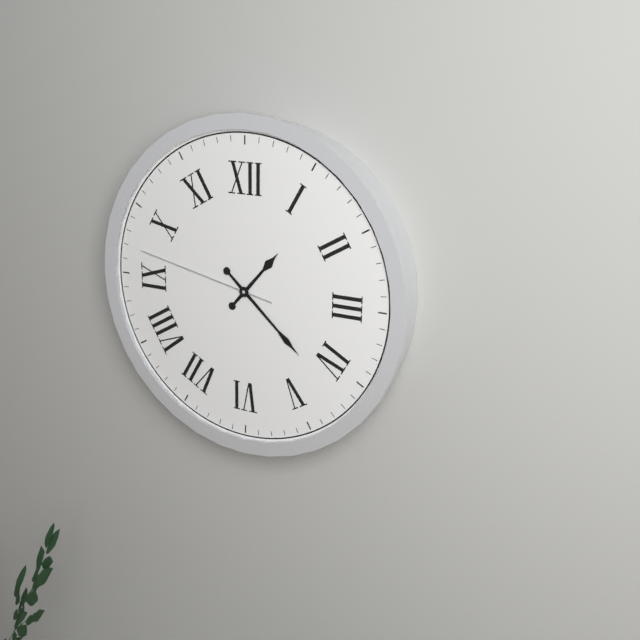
1:22:47
